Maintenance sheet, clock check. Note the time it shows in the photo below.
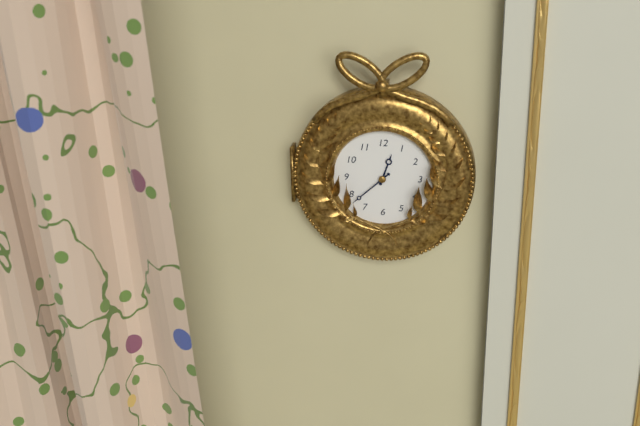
12:38
